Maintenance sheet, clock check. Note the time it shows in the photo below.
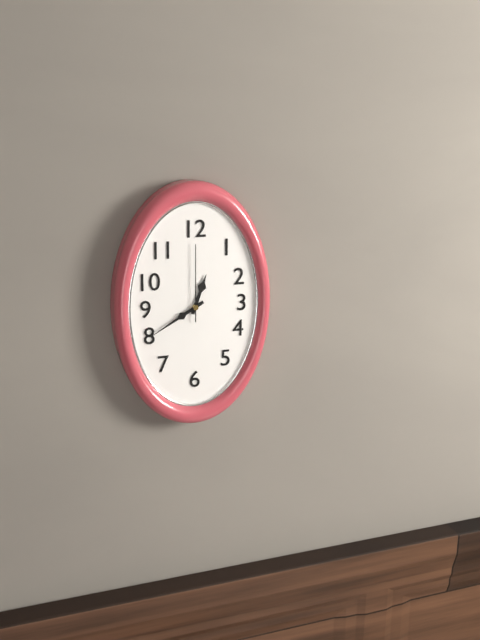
12:40:00
